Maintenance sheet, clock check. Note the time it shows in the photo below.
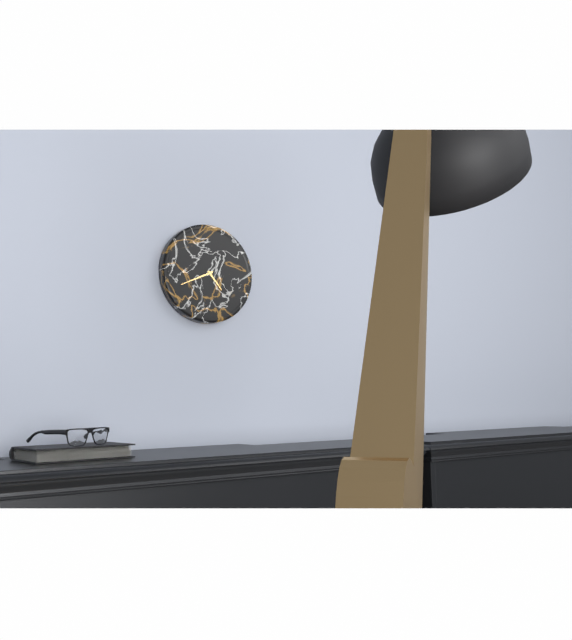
4:41
